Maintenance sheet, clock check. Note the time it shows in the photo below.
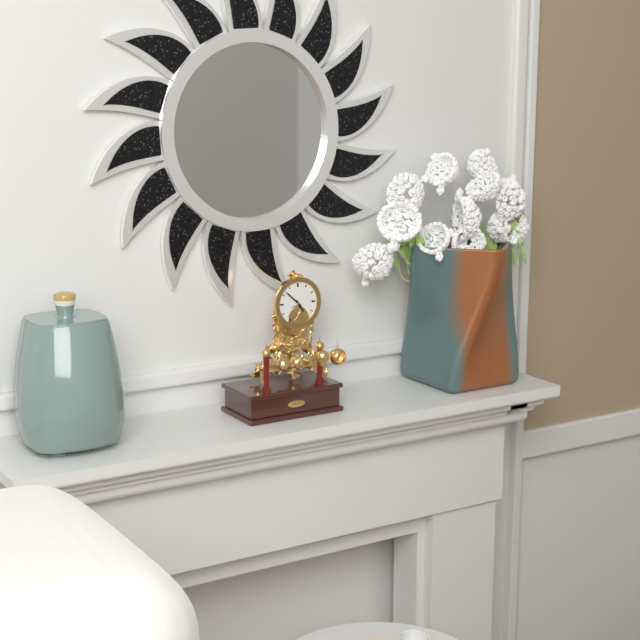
4:52
